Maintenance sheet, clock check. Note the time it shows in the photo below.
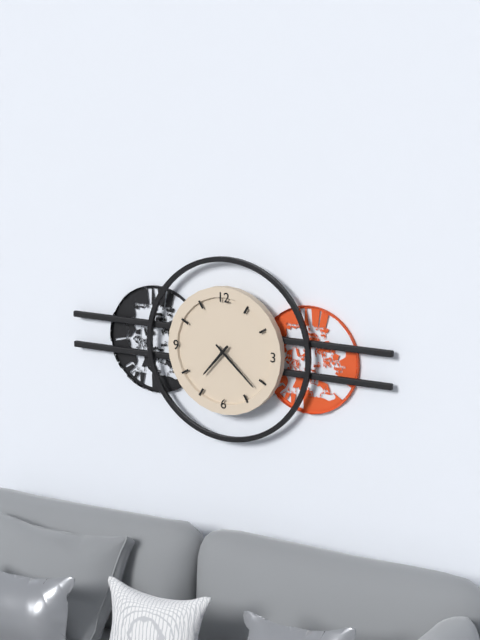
7:22
